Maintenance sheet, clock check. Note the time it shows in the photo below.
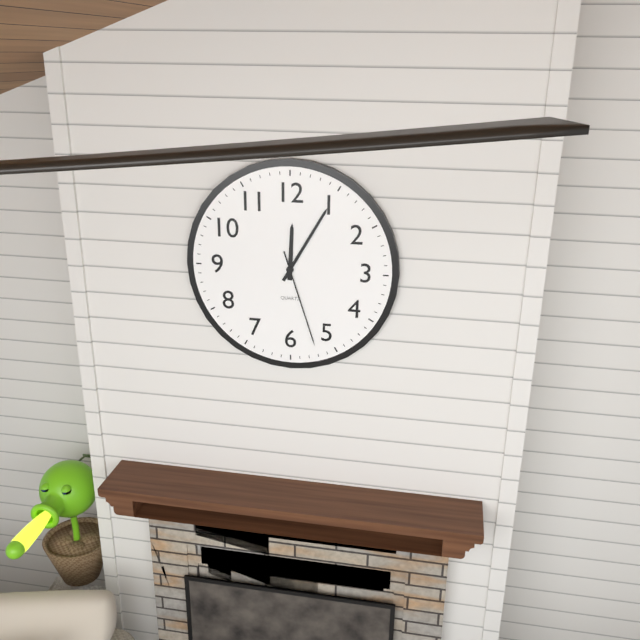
12:05:27
